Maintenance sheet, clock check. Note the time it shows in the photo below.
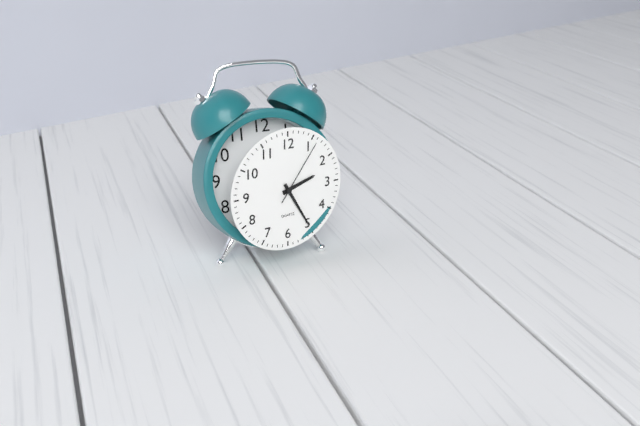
2:25:06
